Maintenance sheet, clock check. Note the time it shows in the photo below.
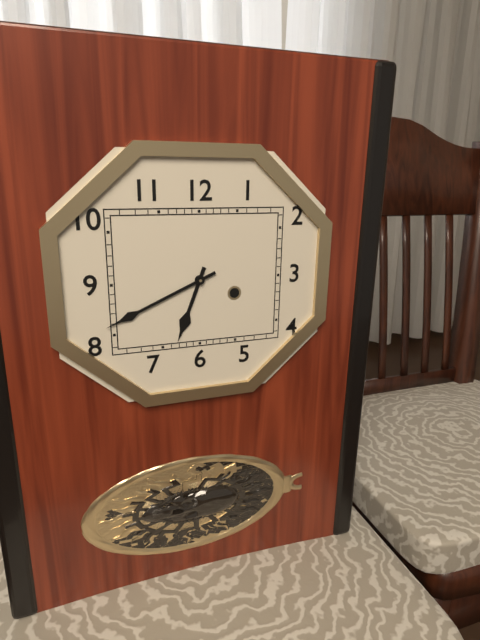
6:41
